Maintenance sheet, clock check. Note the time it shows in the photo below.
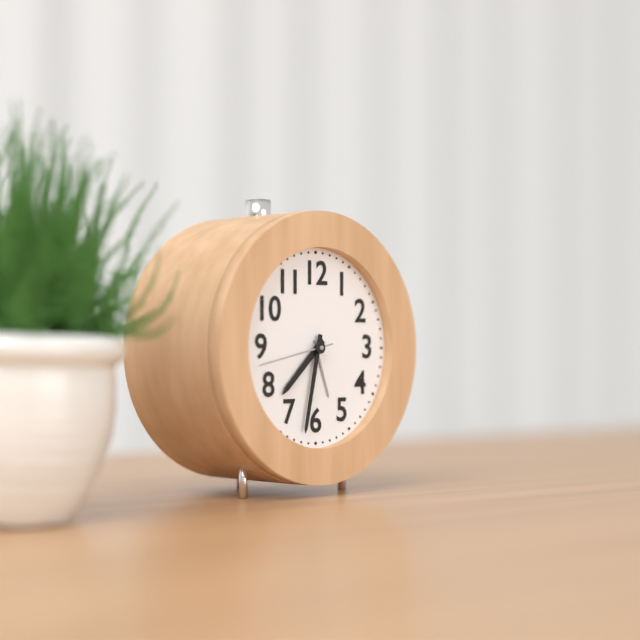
7:32:43
